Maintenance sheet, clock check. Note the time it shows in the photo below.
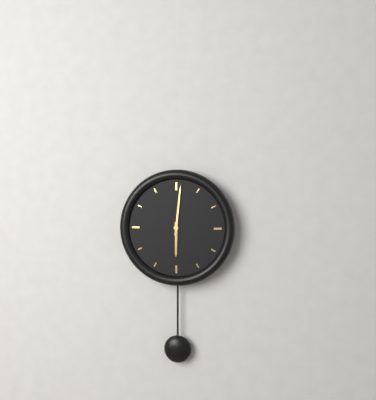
6:01
